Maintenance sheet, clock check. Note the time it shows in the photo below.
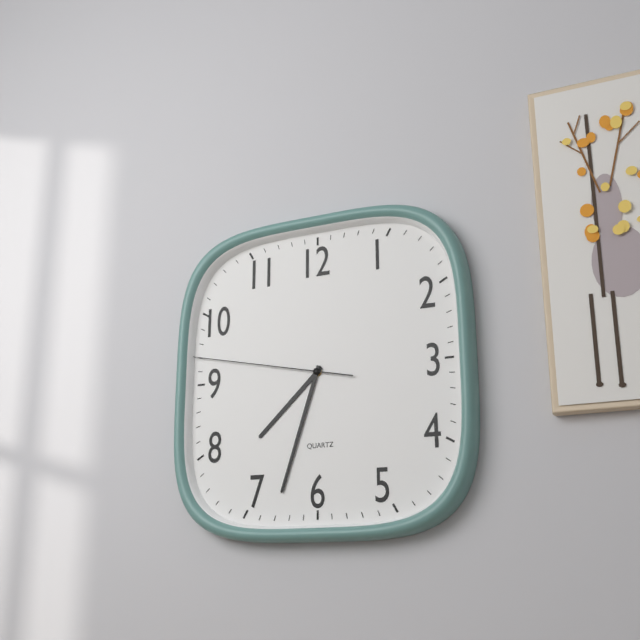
7:33:47
